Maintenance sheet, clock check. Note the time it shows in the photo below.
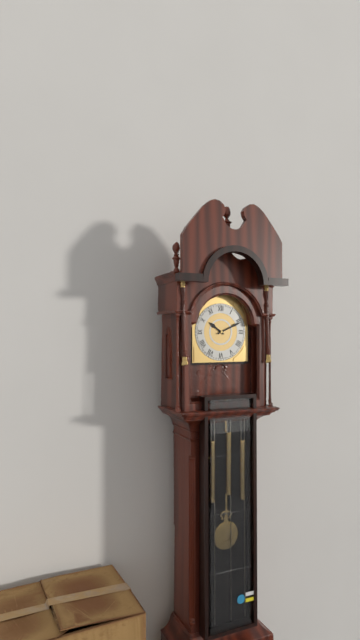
10:11
